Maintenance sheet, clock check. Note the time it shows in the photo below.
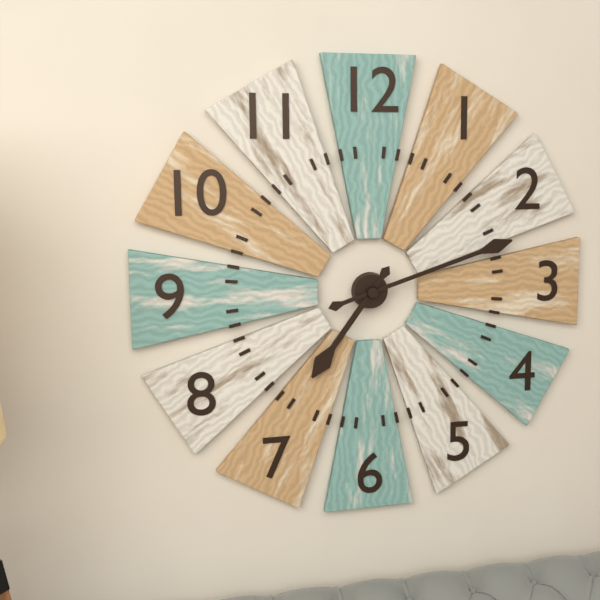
7:12
